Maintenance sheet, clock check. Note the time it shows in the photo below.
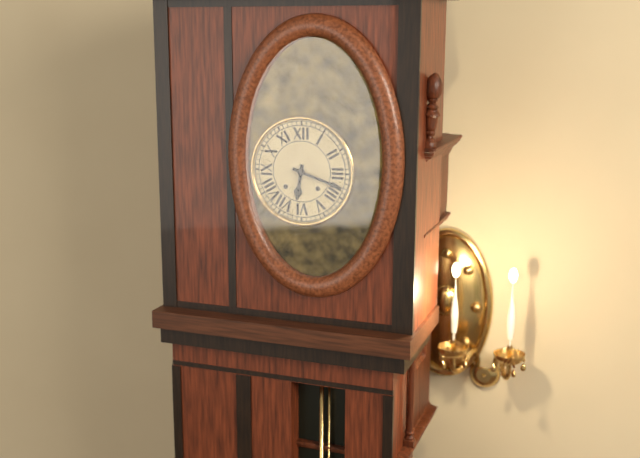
6:18
